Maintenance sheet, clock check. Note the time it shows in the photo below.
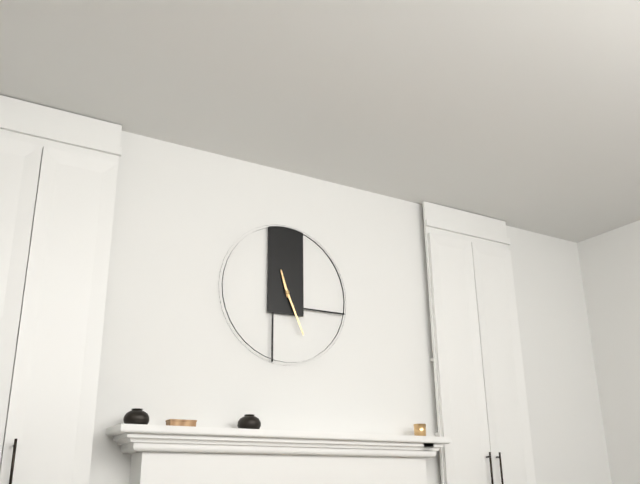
11:26
